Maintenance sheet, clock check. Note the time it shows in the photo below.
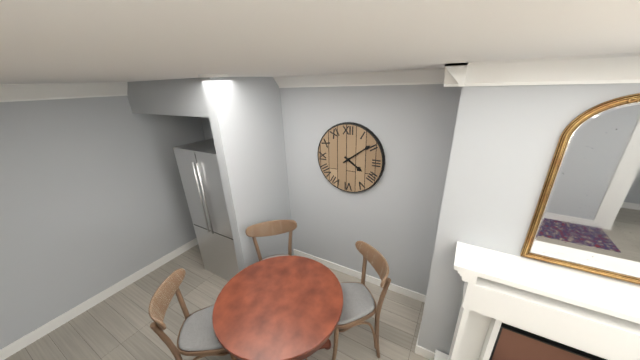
4:09
